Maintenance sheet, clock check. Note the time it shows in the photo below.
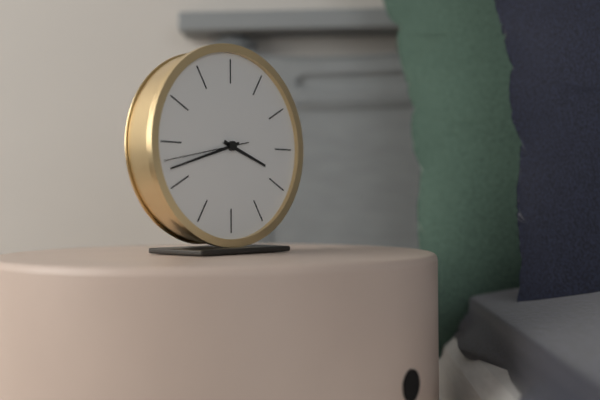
3:42:43
